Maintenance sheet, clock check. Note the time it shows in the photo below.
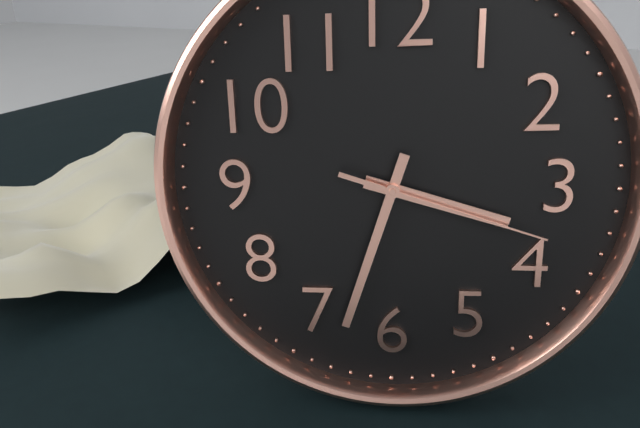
3:33:18
